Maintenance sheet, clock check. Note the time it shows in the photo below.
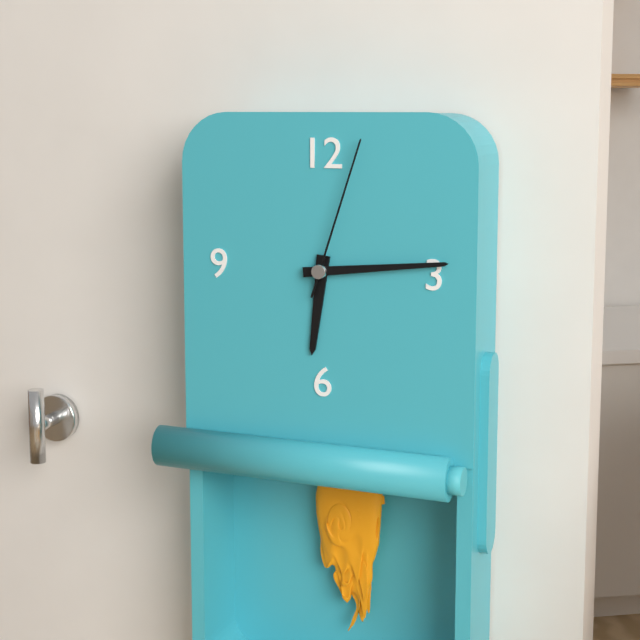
6:14:03
